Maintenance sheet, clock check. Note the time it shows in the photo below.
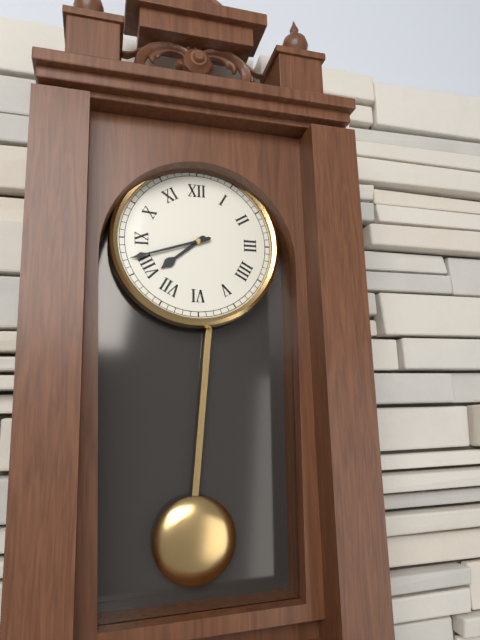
7:42
